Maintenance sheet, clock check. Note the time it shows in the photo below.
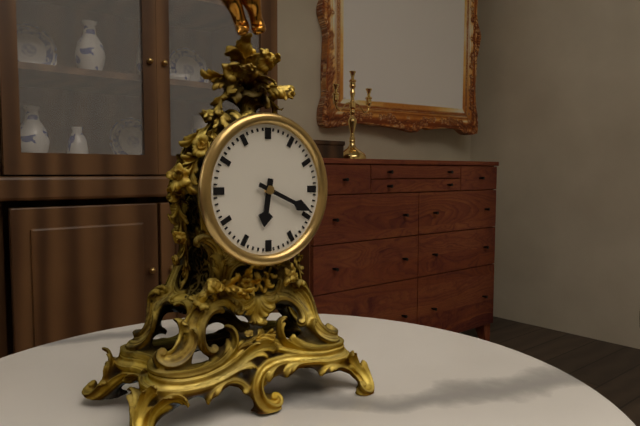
6:19
